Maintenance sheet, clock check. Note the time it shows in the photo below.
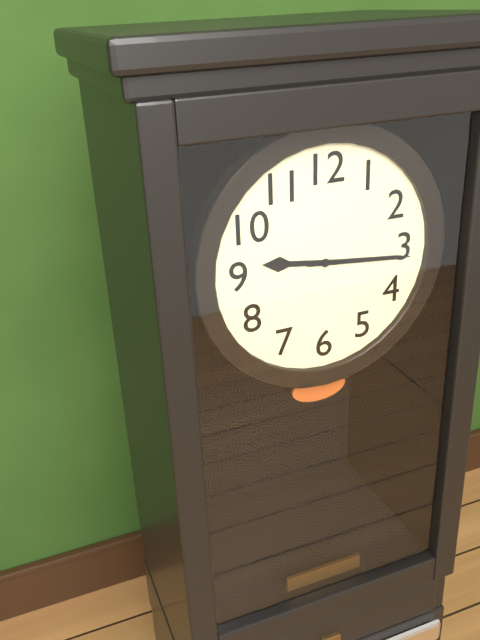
9:16
